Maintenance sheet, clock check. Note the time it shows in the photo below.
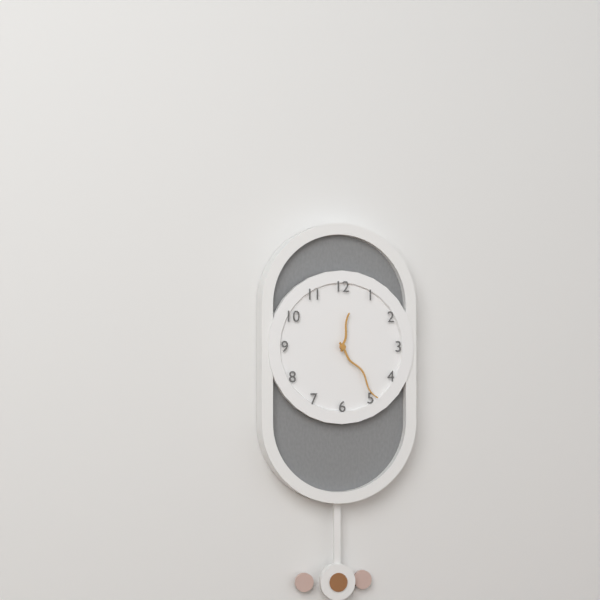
12:24
